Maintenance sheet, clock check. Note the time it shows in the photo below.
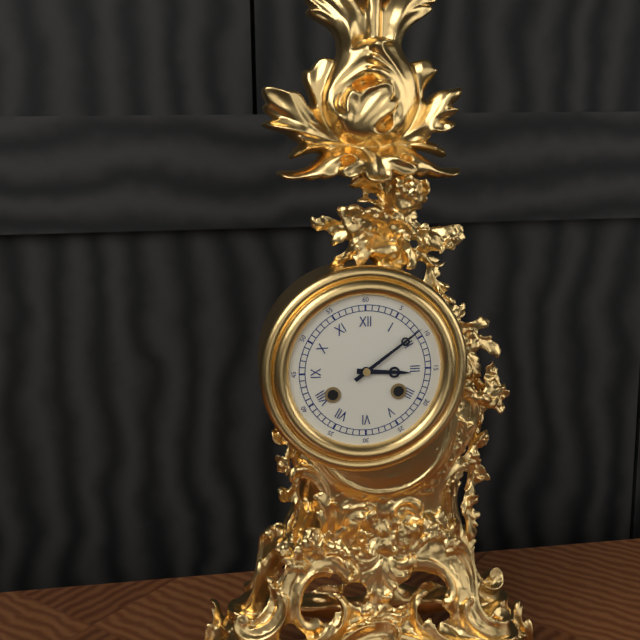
3:09
